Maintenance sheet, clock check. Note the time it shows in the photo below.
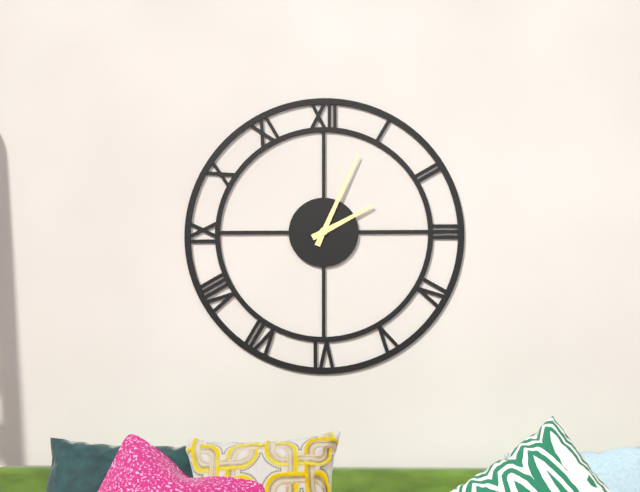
2:04
